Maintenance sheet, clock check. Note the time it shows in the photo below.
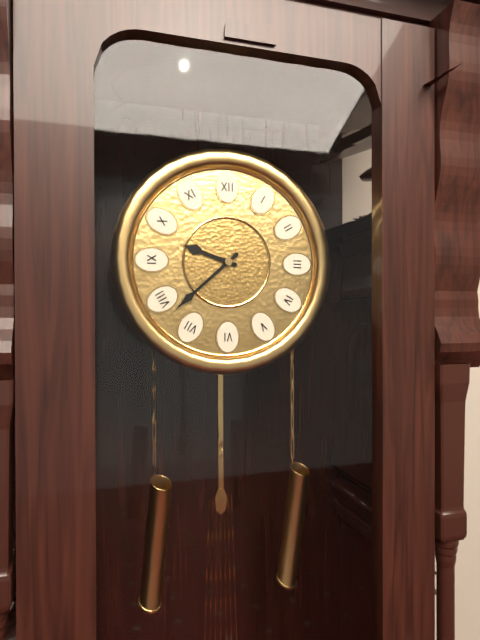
9:38
